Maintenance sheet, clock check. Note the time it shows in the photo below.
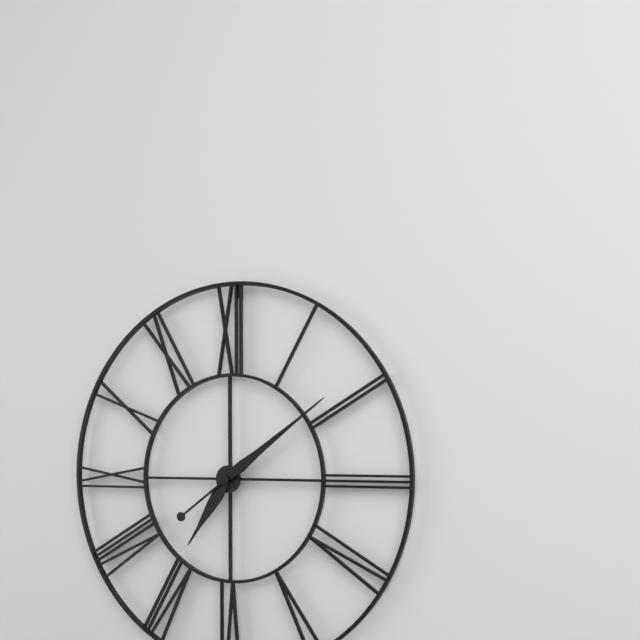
7:09
